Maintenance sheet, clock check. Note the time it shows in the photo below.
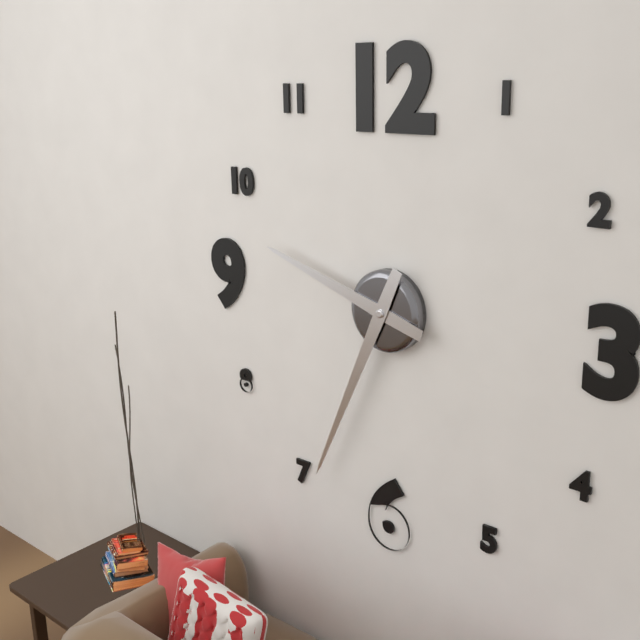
9:34
